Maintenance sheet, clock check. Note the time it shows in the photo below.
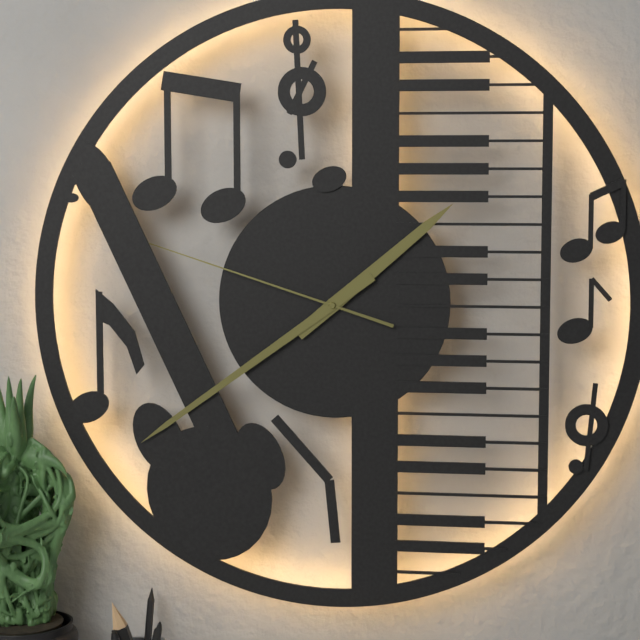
1:39:48
